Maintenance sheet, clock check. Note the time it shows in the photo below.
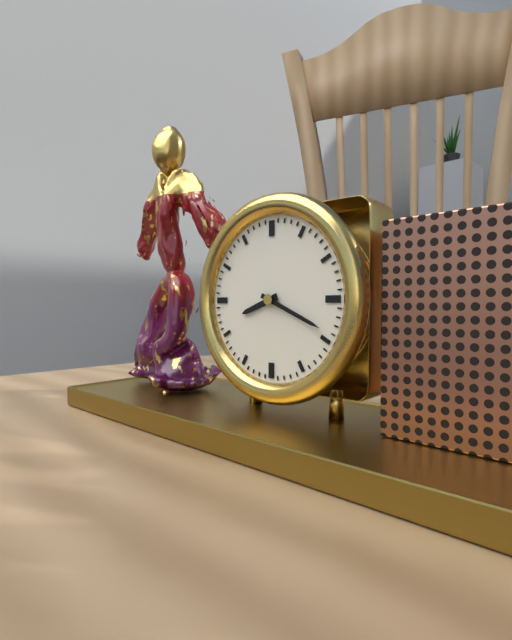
8:19
